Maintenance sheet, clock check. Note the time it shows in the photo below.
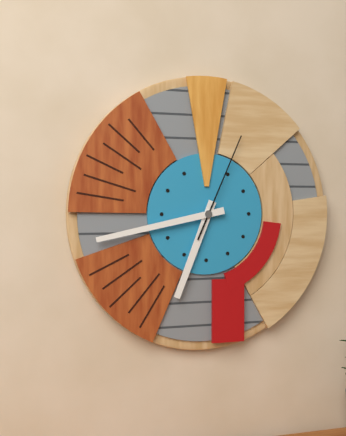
6:43:04
